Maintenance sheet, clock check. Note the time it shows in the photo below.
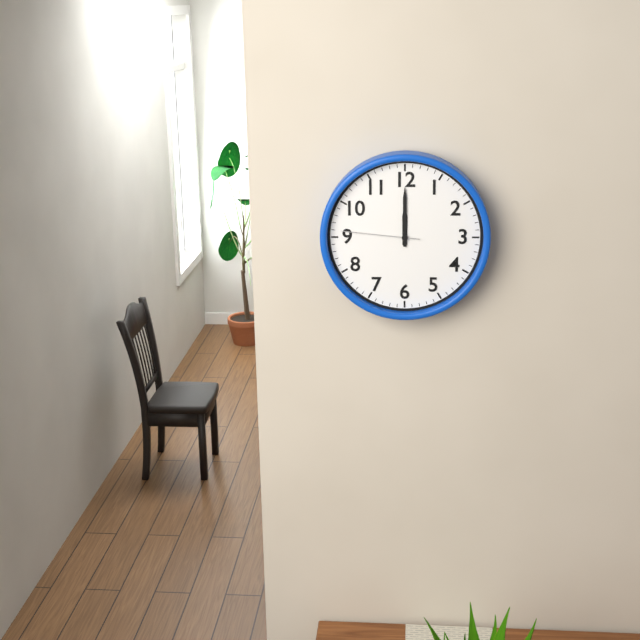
12:00:46
